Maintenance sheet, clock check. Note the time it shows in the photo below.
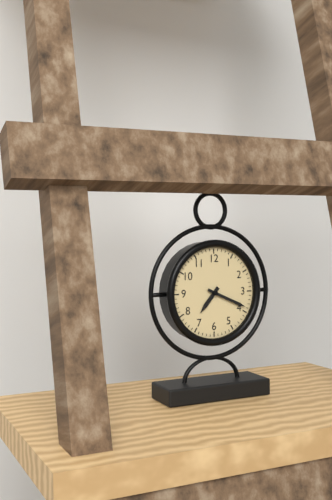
7:19
